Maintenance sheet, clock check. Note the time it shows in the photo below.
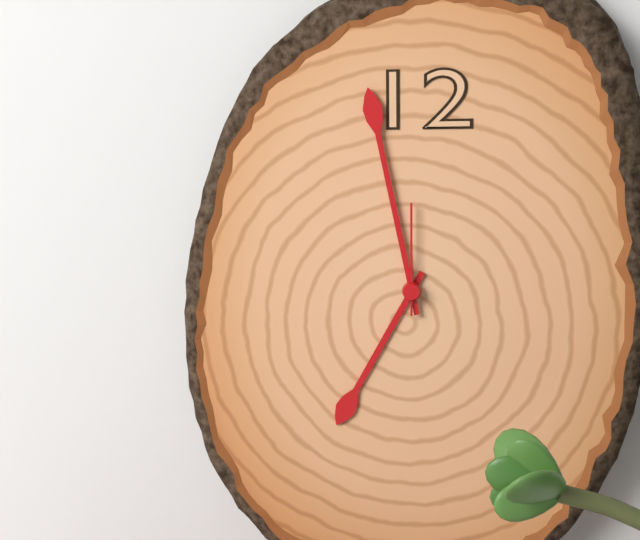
6:58:00
